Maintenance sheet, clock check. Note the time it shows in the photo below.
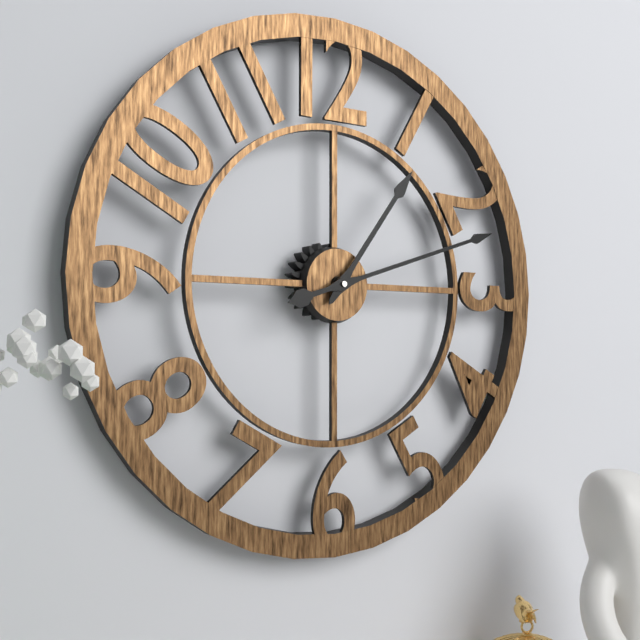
1:12
